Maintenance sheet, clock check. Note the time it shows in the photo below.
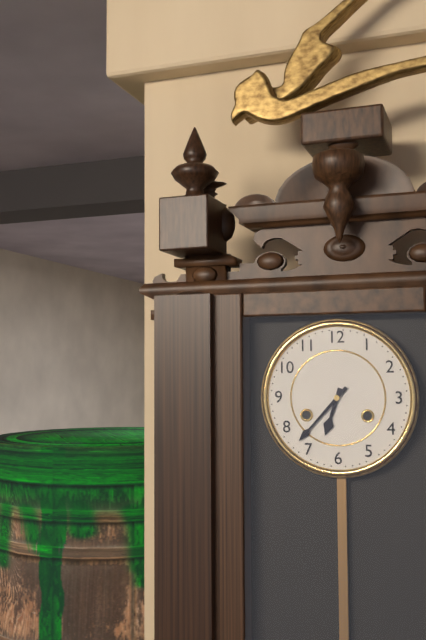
6:37
